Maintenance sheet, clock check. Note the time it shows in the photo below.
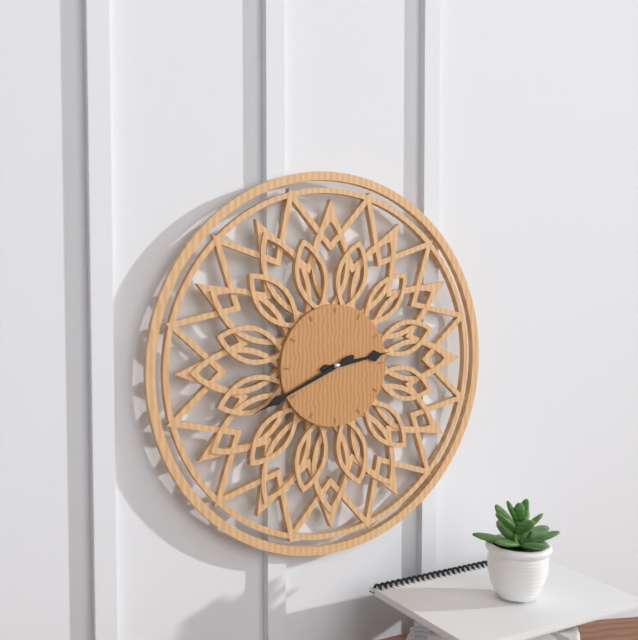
2:41
